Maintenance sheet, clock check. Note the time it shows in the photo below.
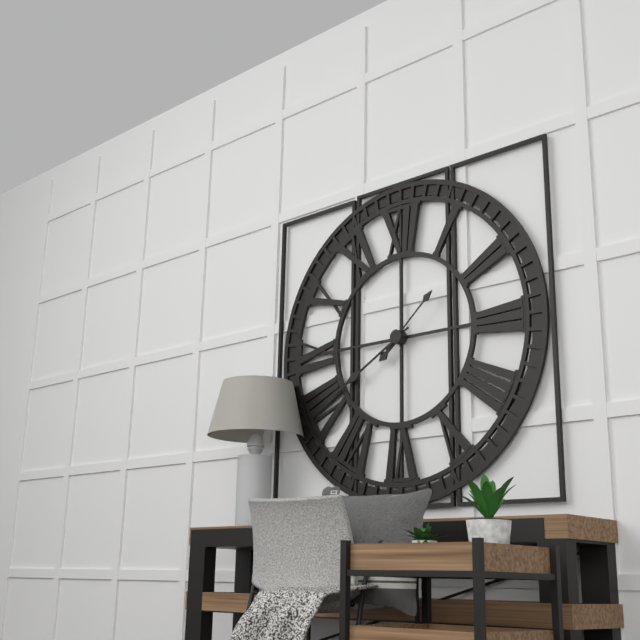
7:40:08
